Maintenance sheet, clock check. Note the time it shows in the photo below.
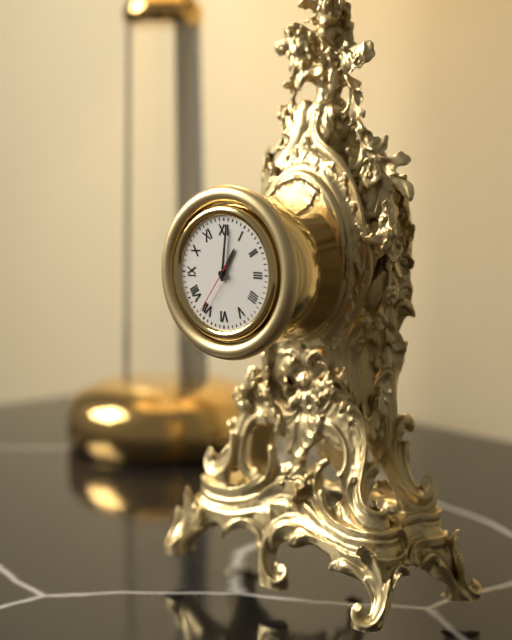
1:01:36
